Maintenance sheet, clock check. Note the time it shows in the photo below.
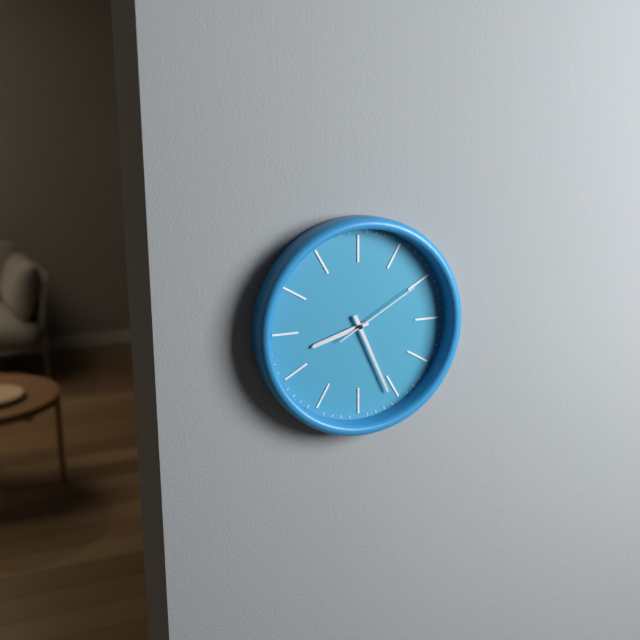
8:26:10
